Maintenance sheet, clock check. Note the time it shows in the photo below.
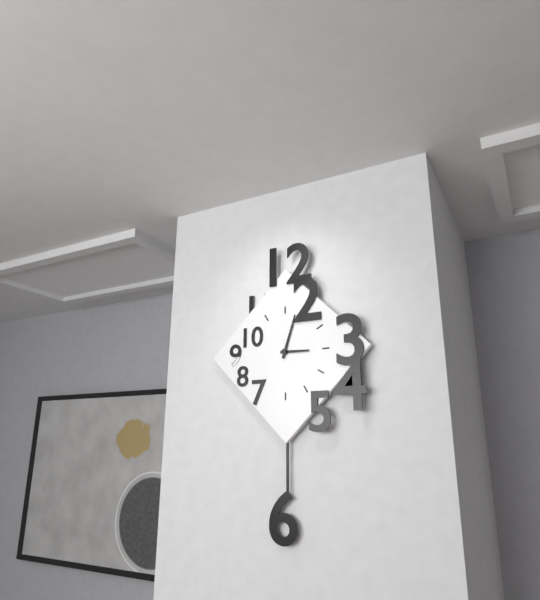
3:03
